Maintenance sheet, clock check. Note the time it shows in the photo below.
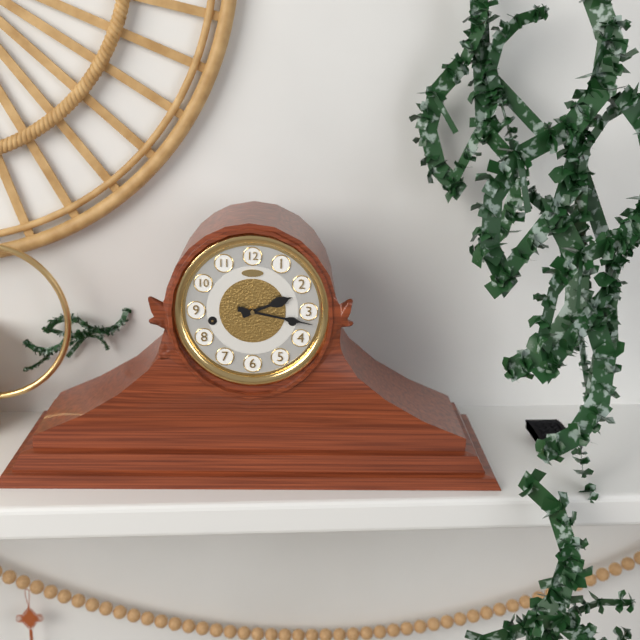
2:17
